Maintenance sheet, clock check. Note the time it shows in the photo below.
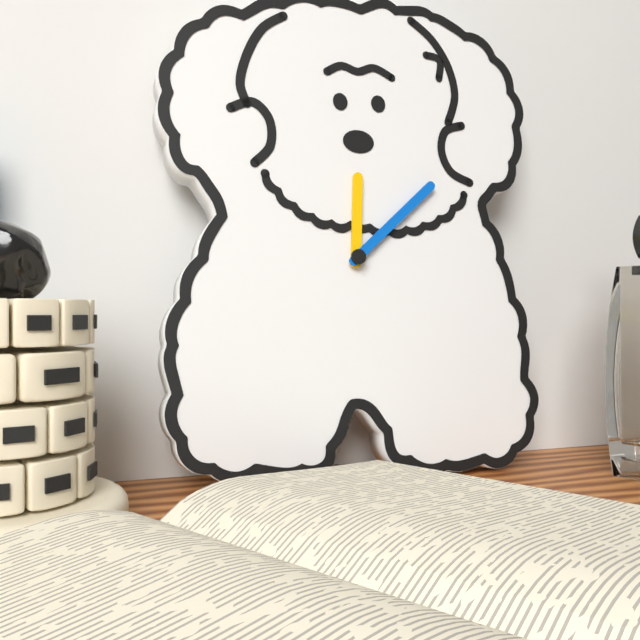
12:08
